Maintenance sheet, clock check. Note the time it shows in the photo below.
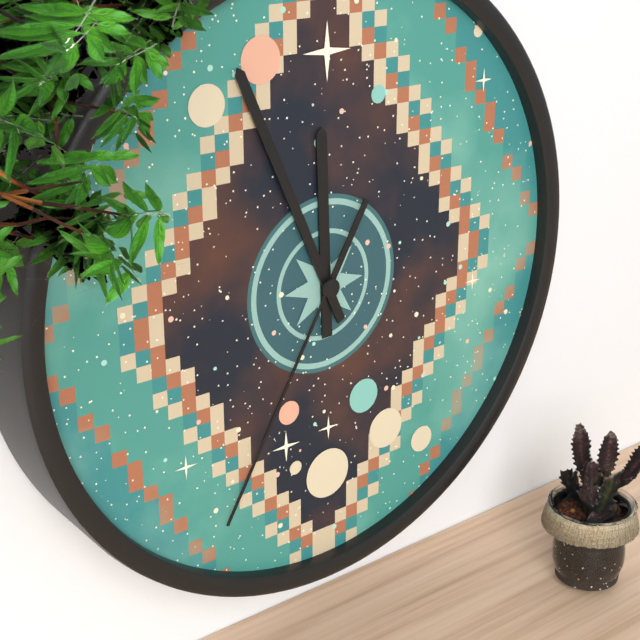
11:56:35
